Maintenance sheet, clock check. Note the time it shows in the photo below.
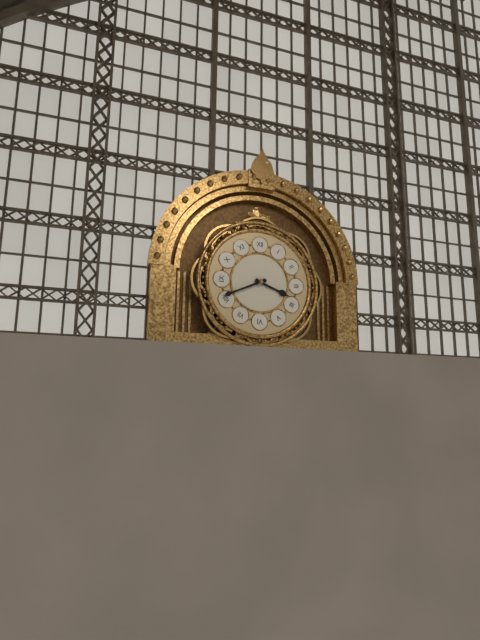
3:41
